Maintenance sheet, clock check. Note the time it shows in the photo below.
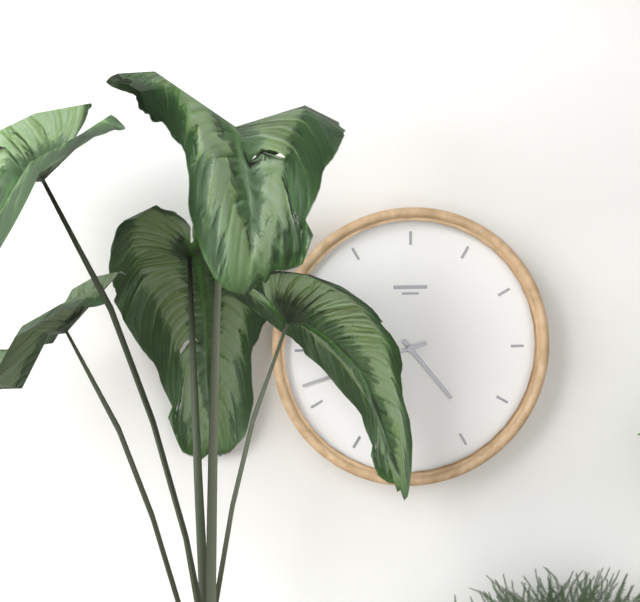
4:42
